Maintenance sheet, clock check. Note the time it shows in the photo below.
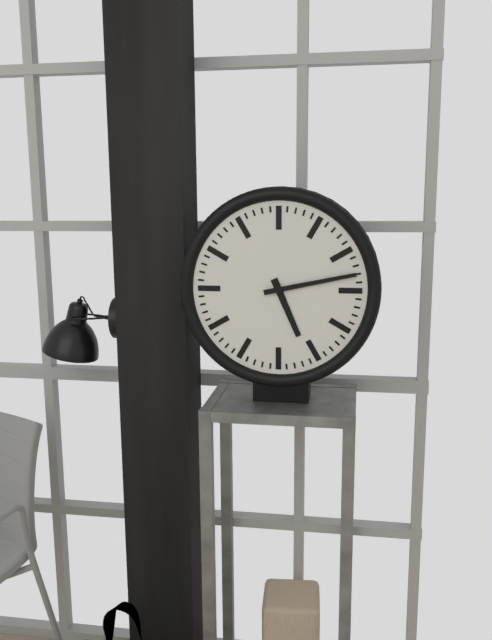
5:13
